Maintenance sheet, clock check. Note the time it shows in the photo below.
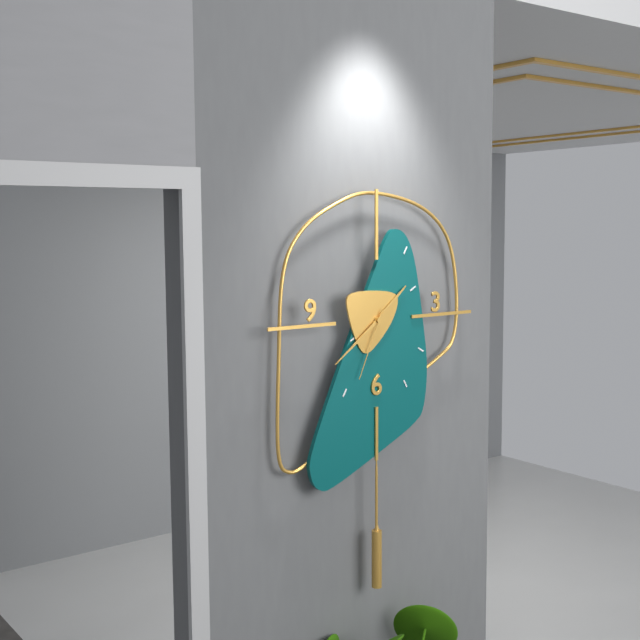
1:39:34
